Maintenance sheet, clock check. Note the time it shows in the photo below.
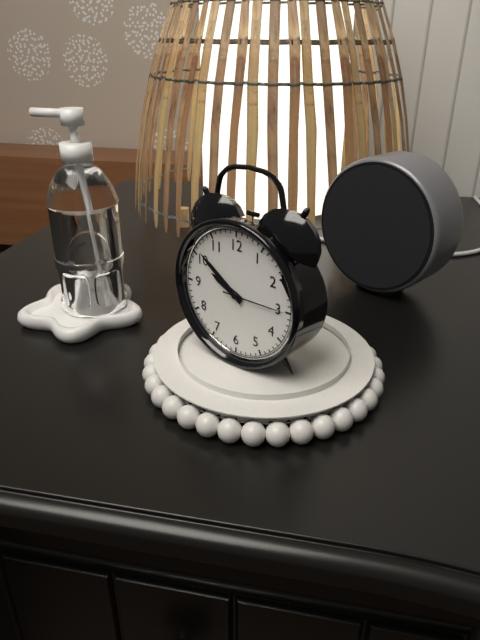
9:51:15
